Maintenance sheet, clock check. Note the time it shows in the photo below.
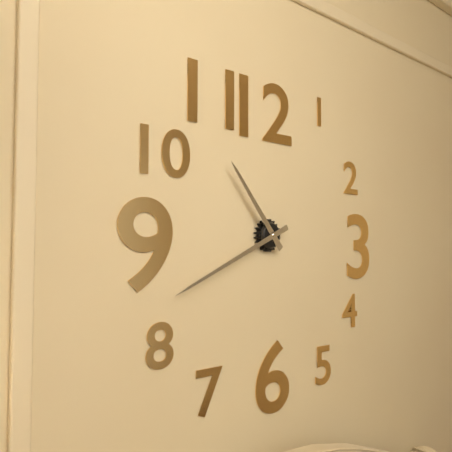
10:41
